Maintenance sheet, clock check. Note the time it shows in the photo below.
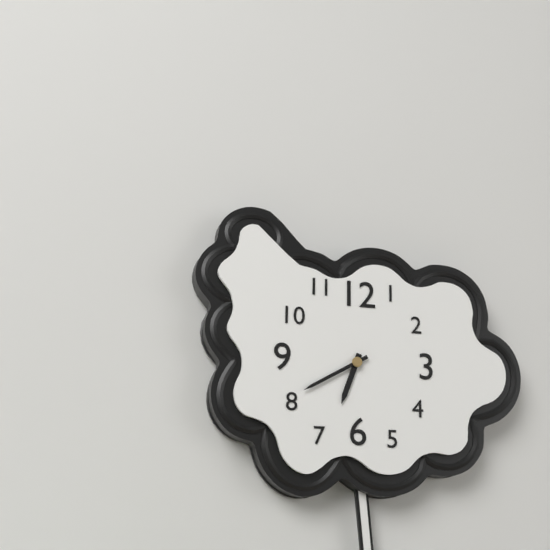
6:40
